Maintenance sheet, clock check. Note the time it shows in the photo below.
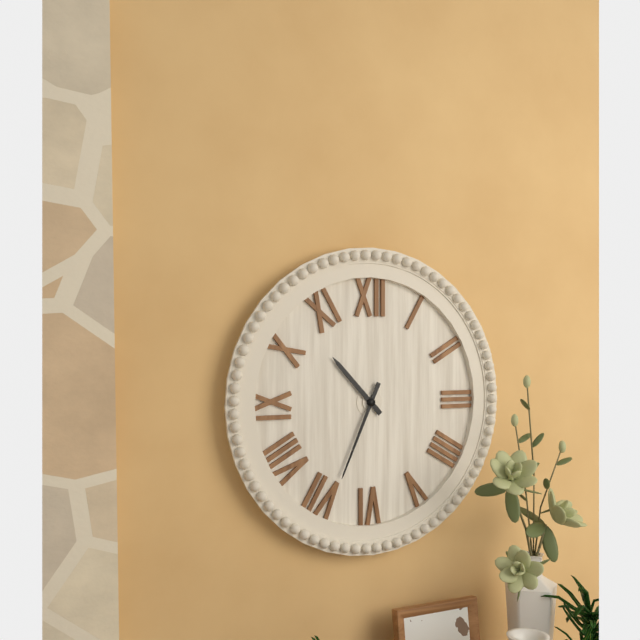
10:34
